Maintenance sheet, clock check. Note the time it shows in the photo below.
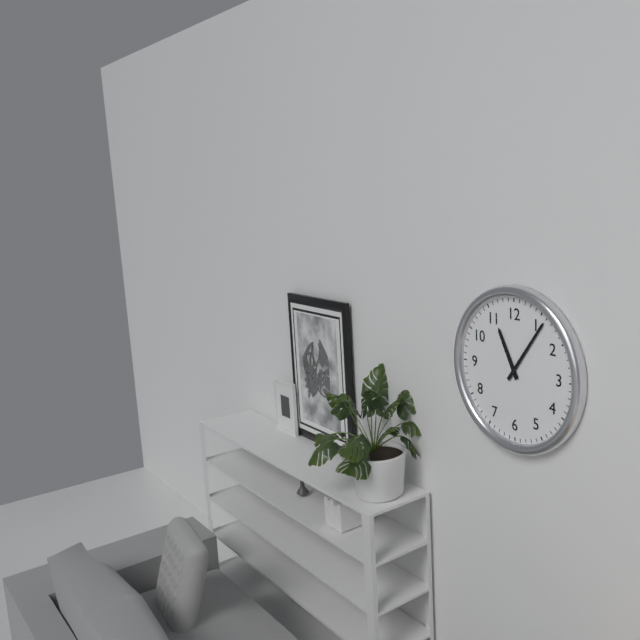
11:06
